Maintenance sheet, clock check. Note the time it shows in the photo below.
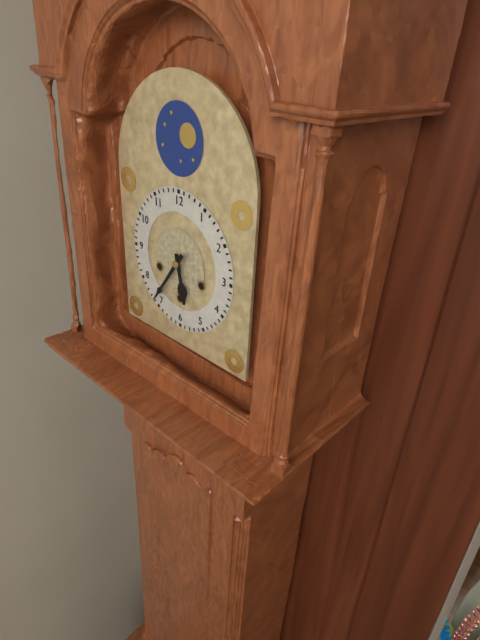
5:36
